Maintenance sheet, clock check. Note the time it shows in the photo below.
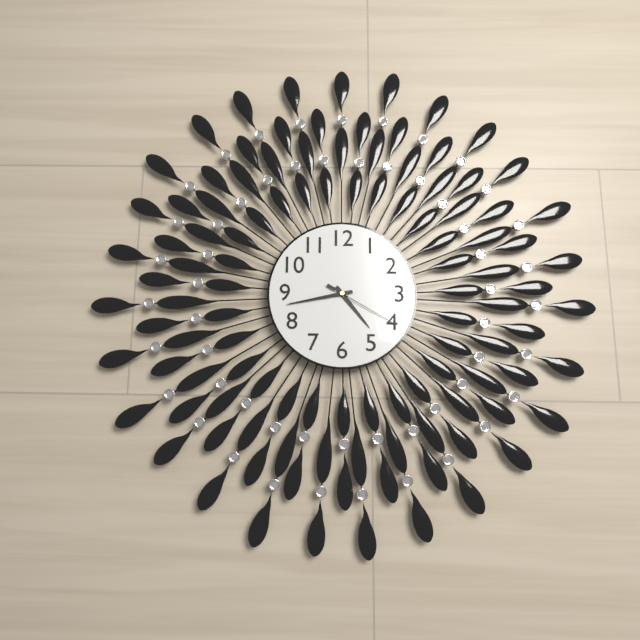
4:43:20
